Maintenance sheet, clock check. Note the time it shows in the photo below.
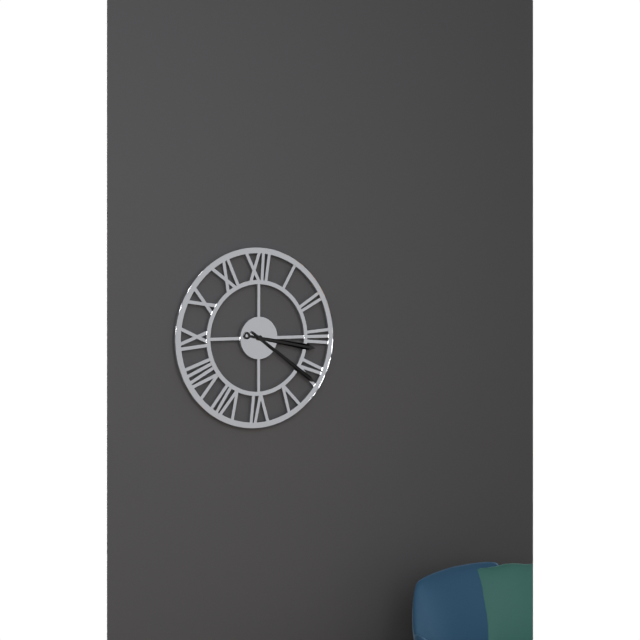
3:21
